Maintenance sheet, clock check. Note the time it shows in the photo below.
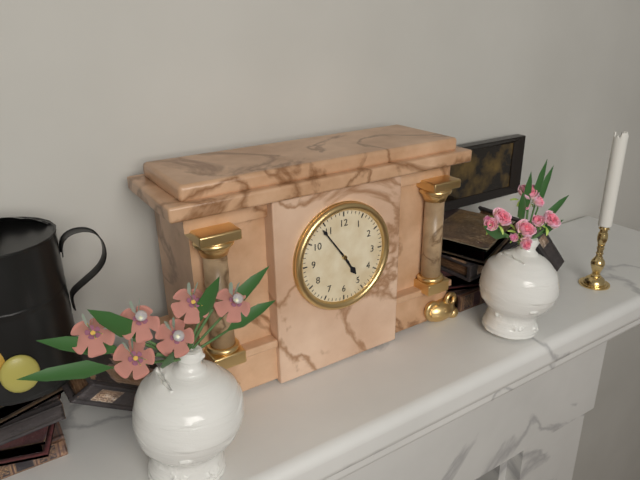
4:54
